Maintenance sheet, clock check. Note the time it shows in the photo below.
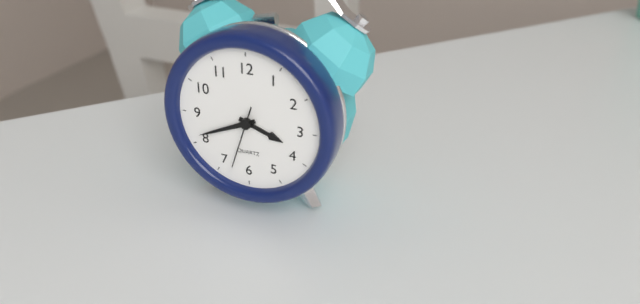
3:41:33
